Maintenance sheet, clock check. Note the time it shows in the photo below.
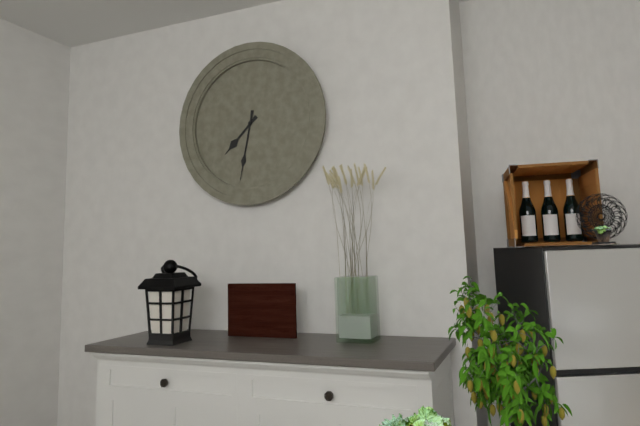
7:32
